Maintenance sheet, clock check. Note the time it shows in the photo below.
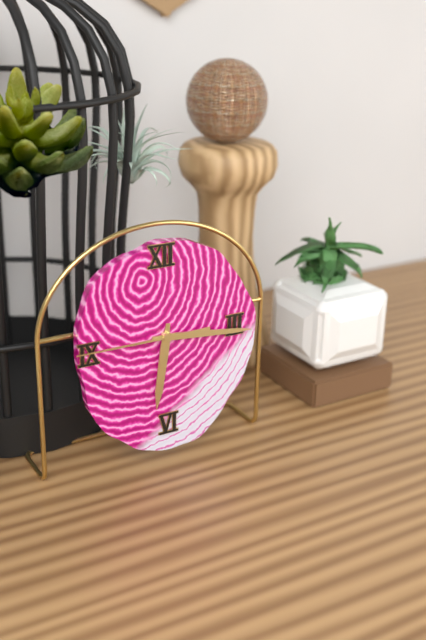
6:16:45
